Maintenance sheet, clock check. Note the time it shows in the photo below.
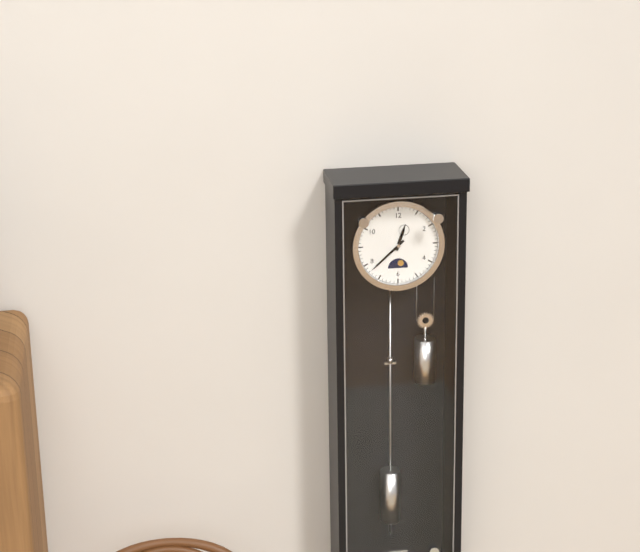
12:38
